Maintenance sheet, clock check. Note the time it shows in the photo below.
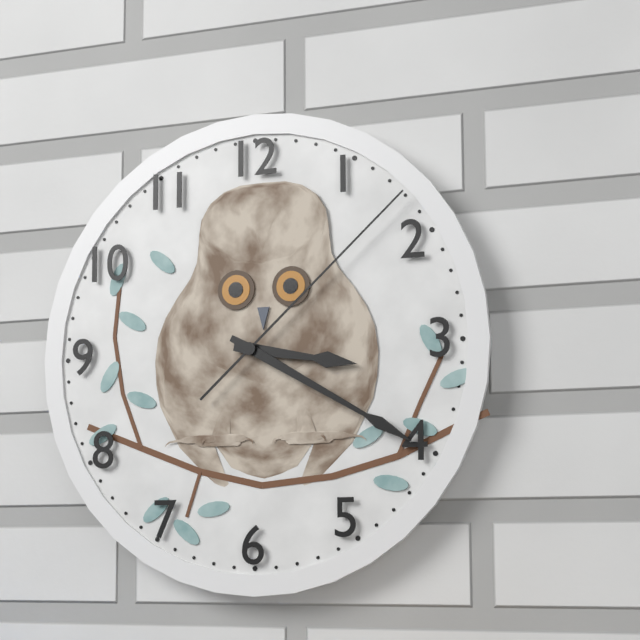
3:20:08
